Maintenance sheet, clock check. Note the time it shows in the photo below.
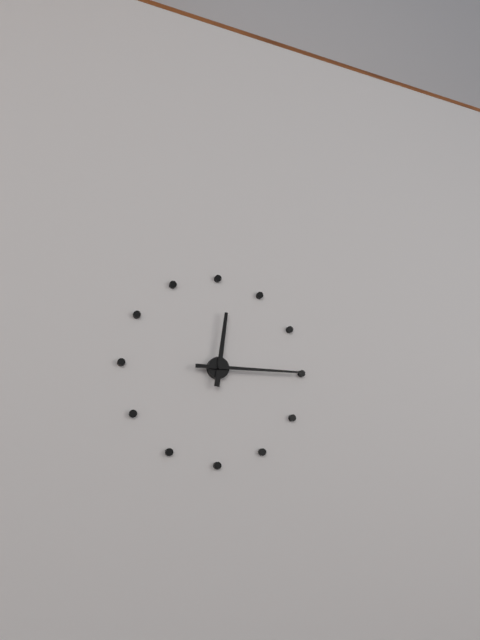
12:15
